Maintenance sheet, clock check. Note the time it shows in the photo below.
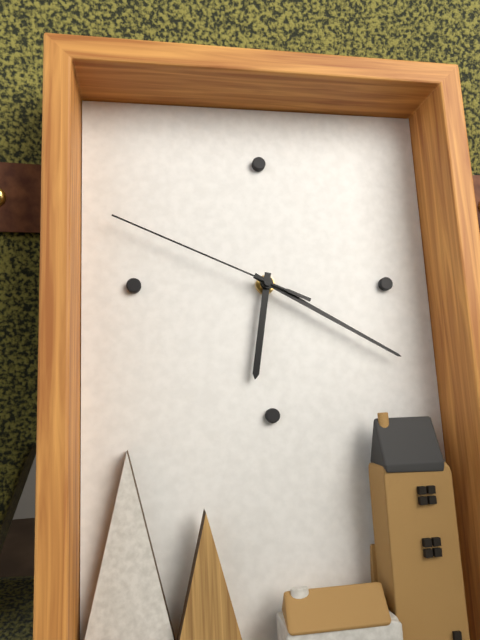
6:20:49
